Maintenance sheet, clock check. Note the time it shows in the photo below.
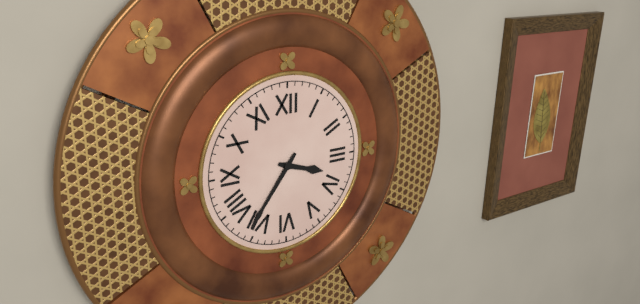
3:36
